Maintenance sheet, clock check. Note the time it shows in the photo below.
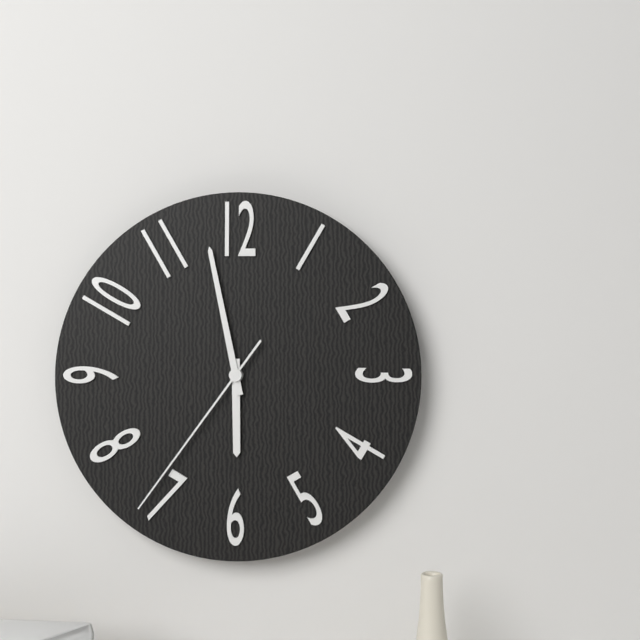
5:58:36
